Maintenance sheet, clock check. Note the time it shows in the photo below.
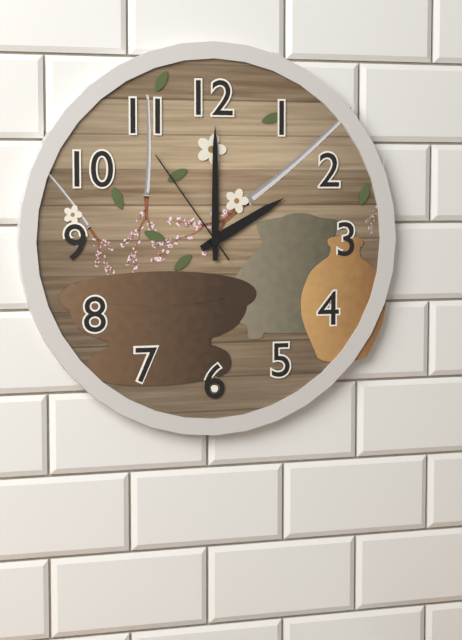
2:00:54
